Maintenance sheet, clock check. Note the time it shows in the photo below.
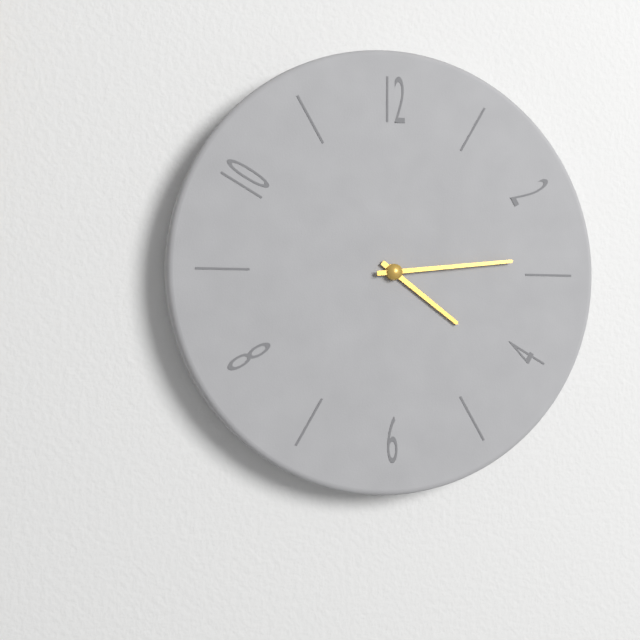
4:14
